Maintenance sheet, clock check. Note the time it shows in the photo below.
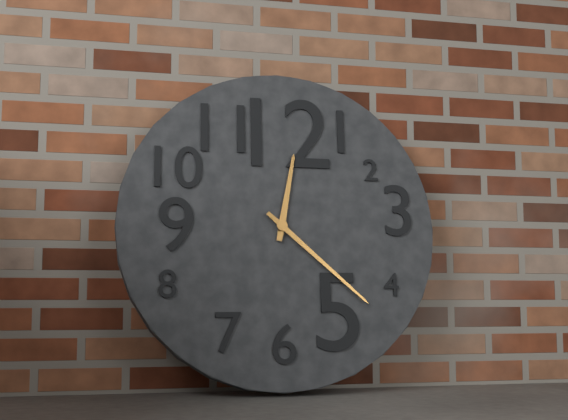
12:22
